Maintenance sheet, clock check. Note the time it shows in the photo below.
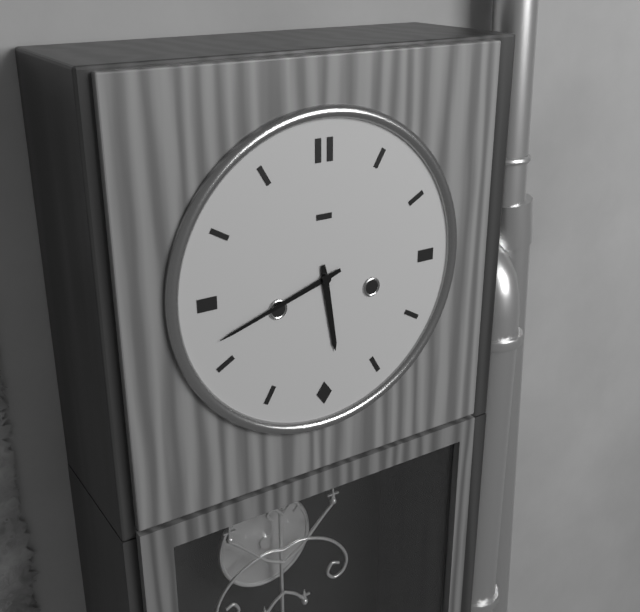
5:42
